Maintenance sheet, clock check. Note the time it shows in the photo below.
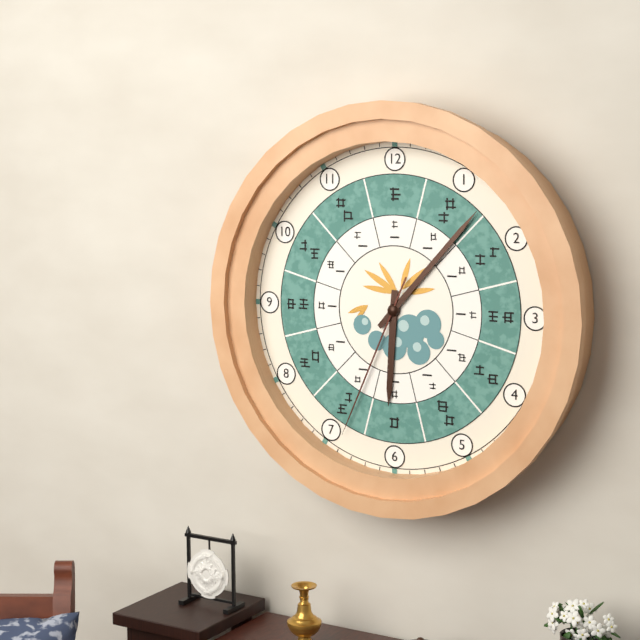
6:07:34
